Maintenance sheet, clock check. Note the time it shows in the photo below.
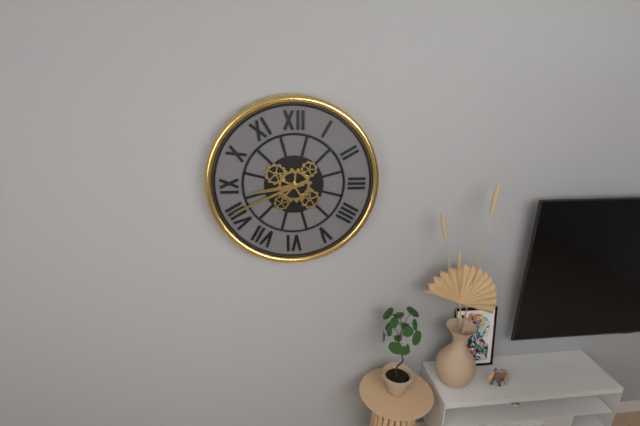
8:41
